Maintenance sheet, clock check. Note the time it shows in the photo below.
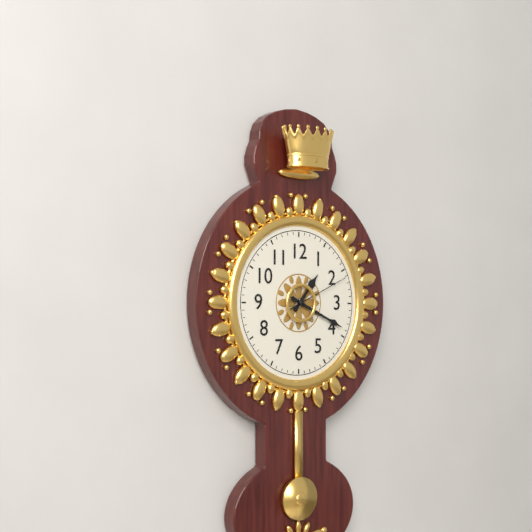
1:19:11
